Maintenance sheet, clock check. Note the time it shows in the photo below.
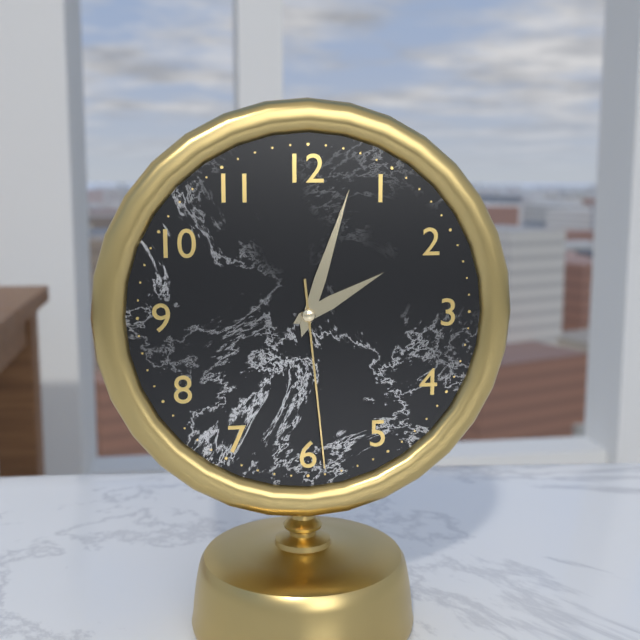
2:03:29
